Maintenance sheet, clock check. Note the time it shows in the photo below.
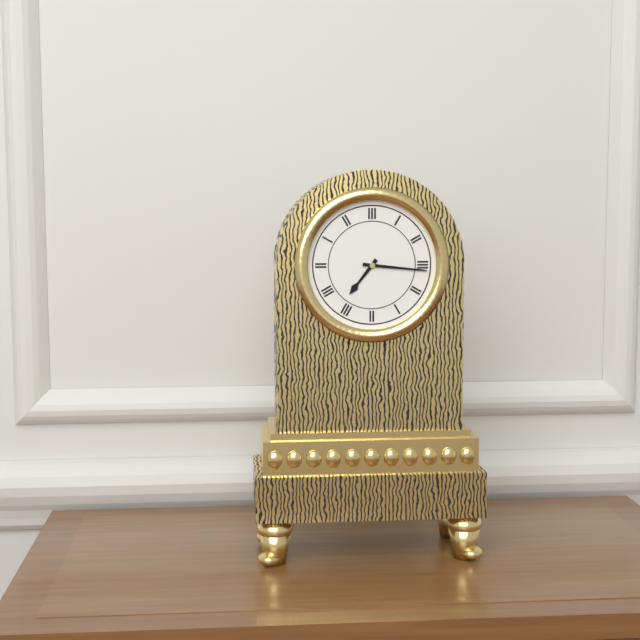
7:16
